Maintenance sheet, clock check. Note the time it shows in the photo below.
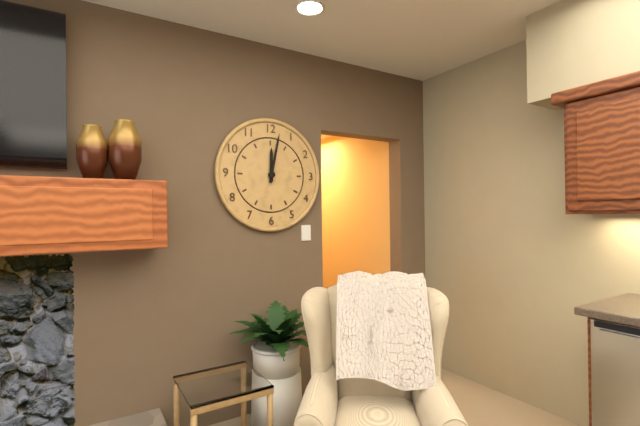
12:02
